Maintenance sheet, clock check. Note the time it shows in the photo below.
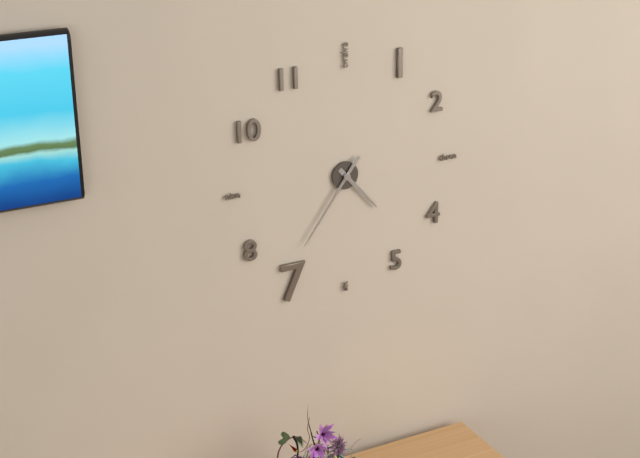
4:36
